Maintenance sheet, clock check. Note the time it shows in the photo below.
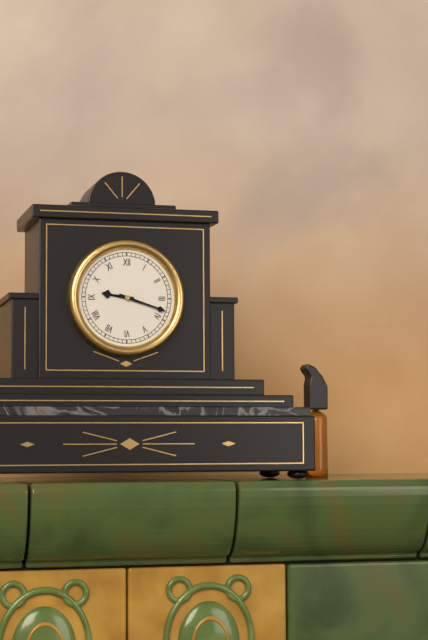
9:18
